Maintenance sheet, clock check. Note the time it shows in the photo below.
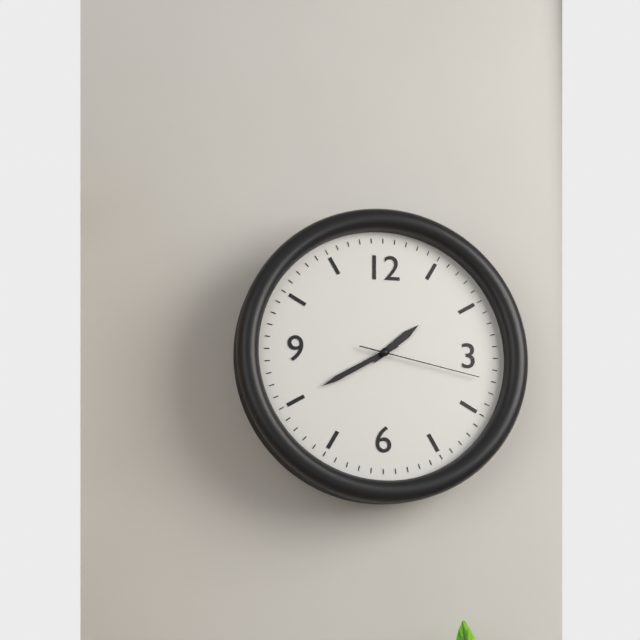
1:40:17
